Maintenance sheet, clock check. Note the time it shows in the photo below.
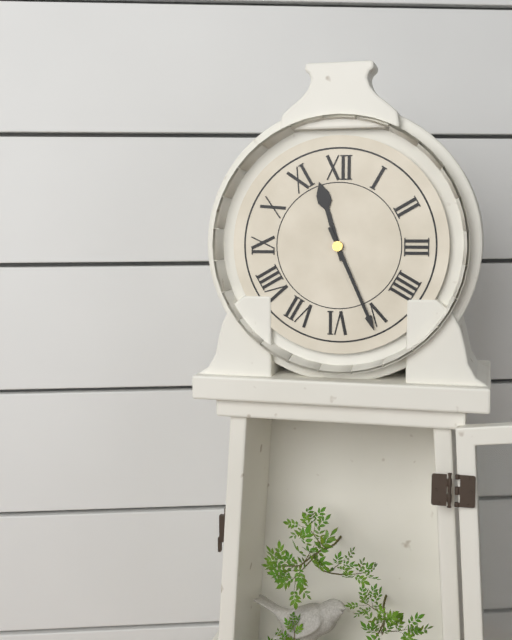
11:26
